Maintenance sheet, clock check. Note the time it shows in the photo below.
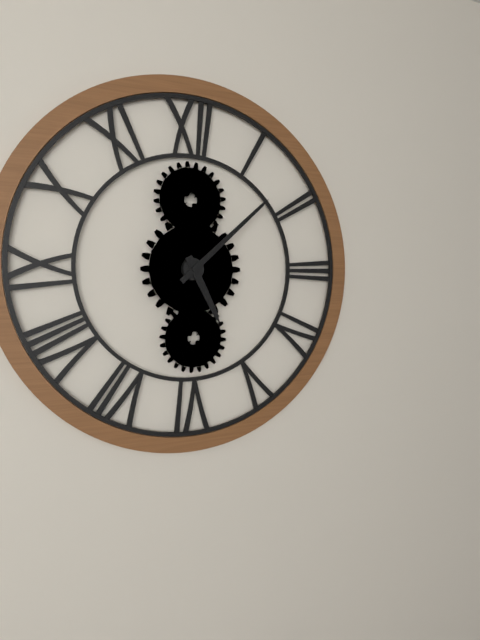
5:08
